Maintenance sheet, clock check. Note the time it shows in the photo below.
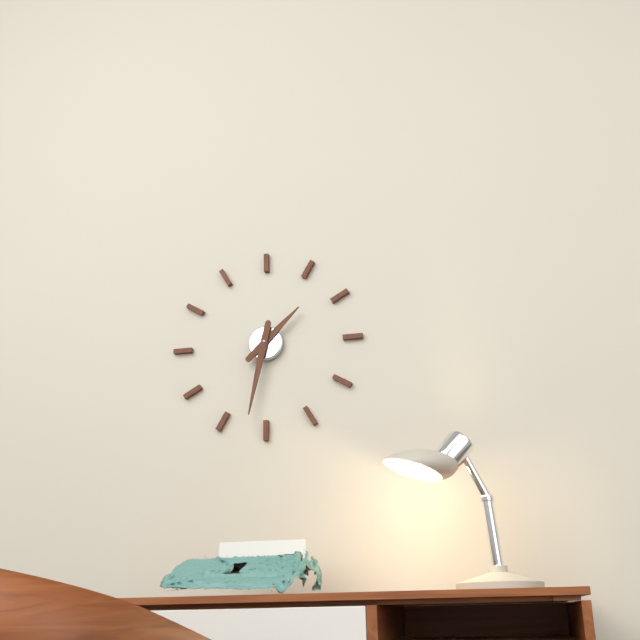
1:32
